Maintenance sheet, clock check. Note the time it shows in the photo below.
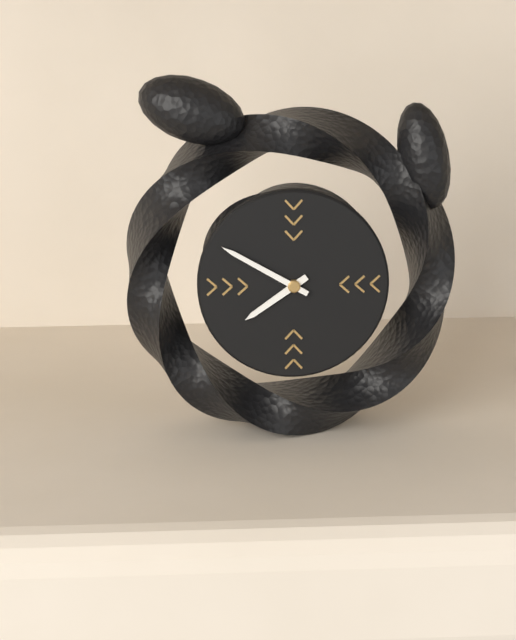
7:50
